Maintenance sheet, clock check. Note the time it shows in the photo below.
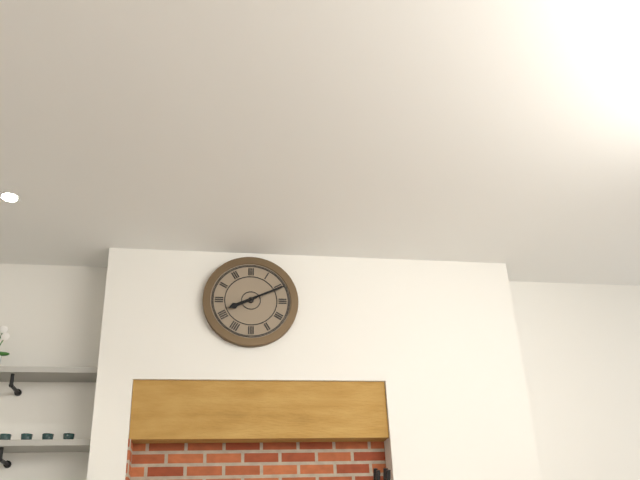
8:11
